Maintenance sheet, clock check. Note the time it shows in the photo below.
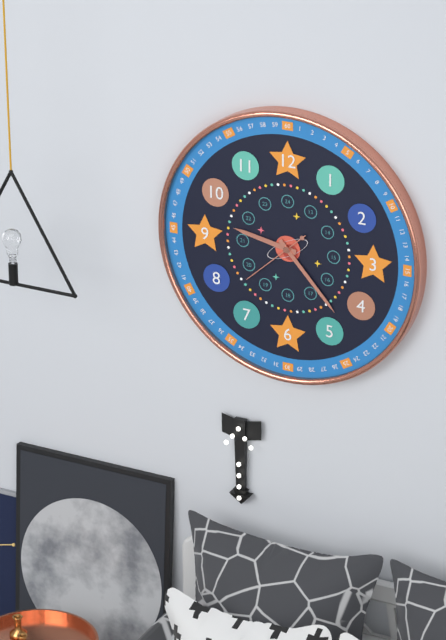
9:23:38
